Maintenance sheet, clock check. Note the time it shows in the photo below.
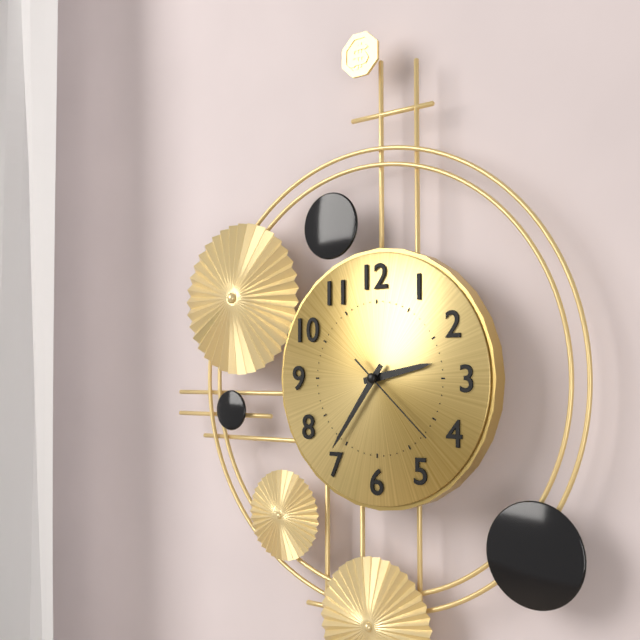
2:36:22
